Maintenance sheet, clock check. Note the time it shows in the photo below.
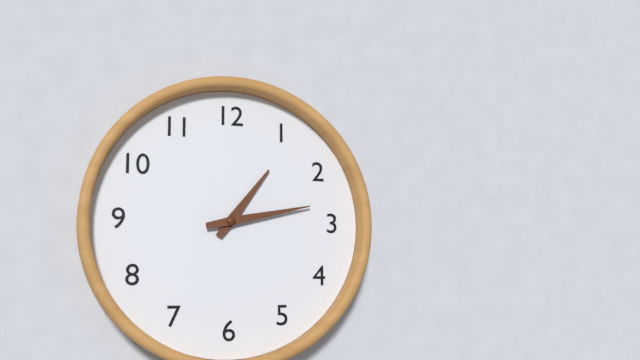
1:13
